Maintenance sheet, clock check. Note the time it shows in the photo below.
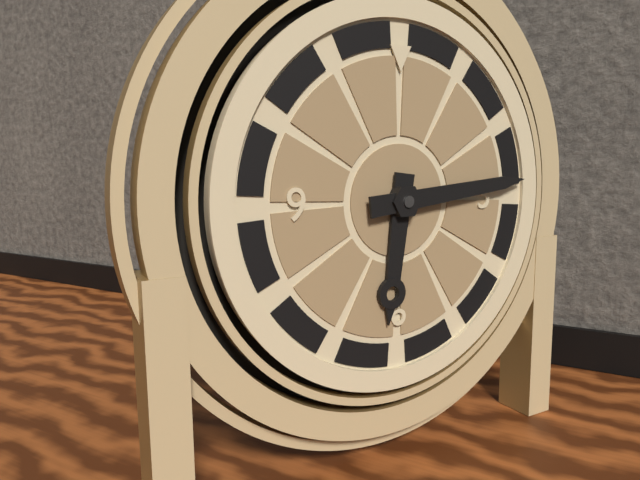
6:14
